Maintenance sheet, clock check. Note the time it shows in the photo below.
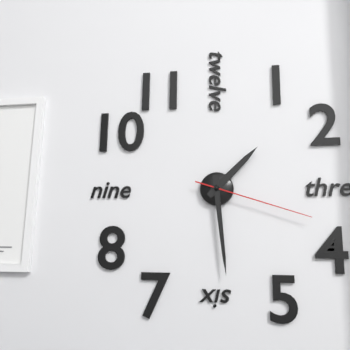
1:29:18
